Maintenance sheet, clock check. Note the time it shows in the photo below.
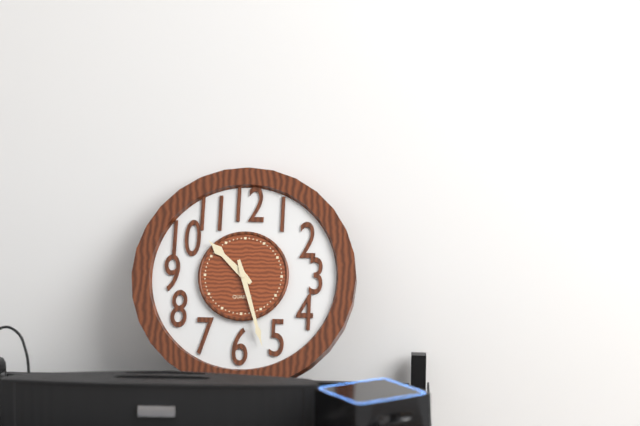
10:27
